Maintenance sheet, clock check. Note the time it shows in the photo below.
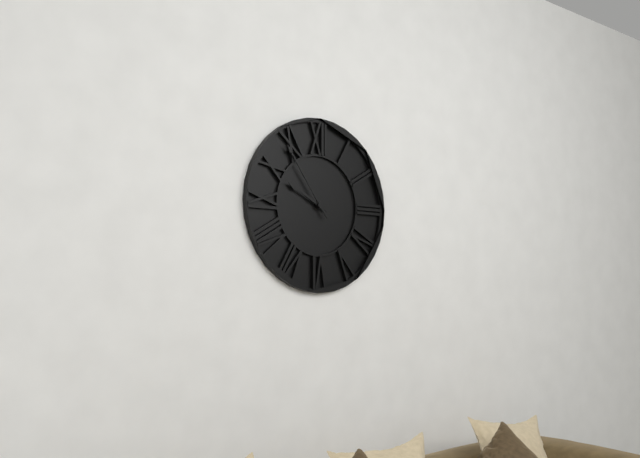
9:54
